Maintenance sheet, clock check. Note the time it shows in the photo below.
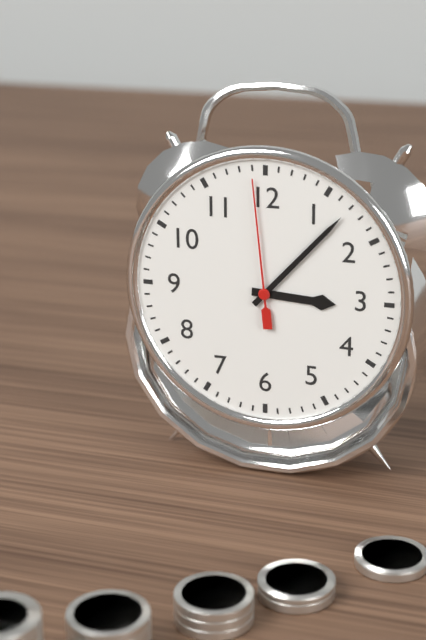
3:07:59
